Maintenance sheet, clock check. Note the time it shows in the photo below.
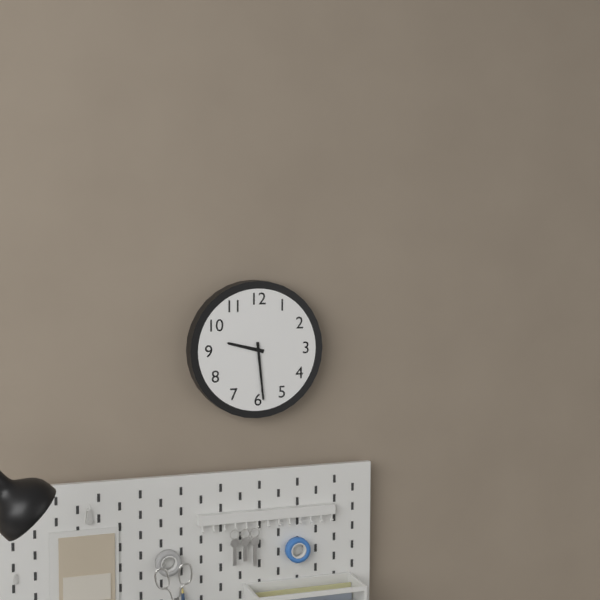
9:29
